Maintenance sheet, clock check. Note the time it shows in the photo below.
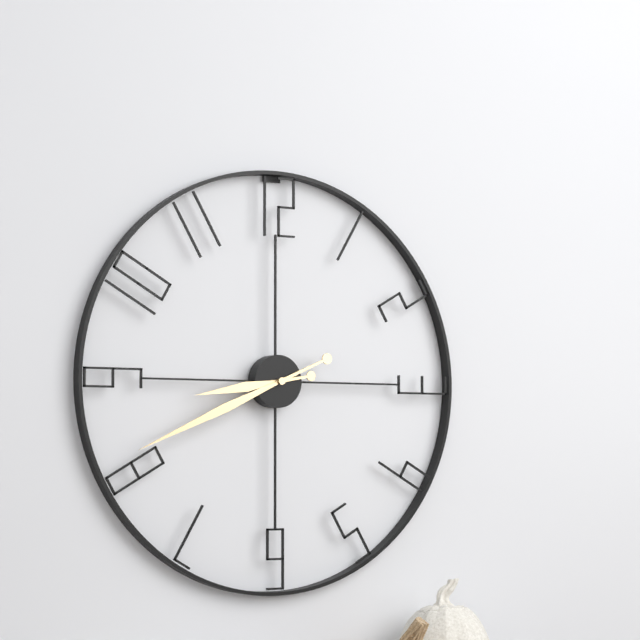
8:41
